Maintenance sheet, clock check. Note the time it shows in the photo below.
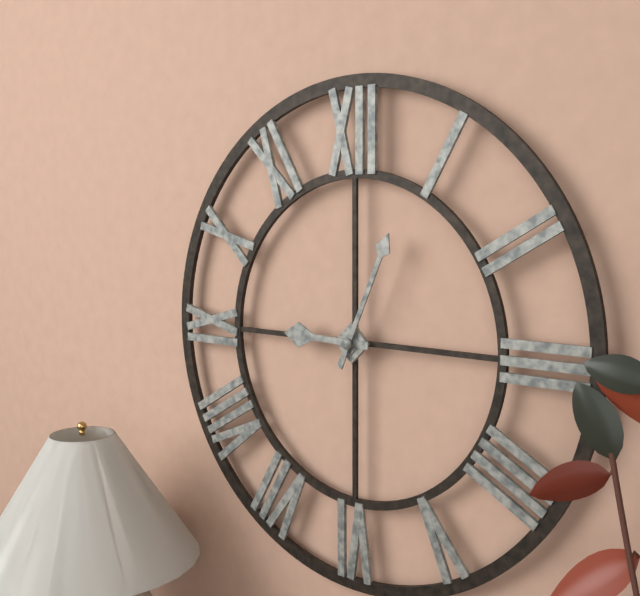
9:04
